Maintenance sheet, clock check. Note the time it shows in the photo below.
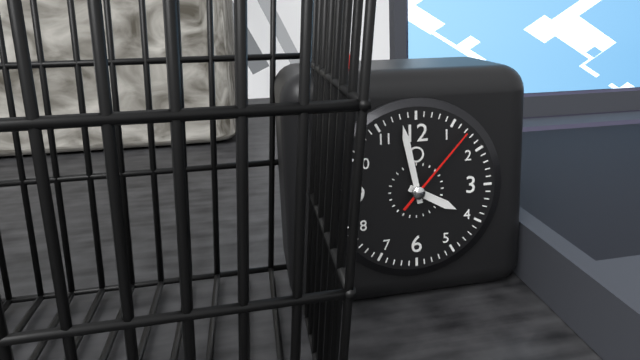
3:58:07
